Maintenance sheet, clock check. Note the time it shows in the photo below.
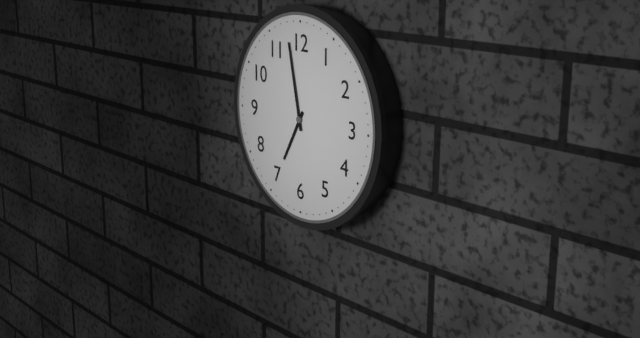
6:58
